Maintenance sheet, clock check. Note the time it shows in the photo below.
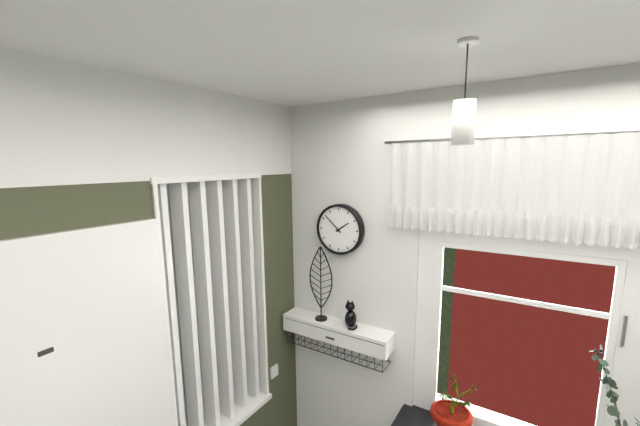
1:52
